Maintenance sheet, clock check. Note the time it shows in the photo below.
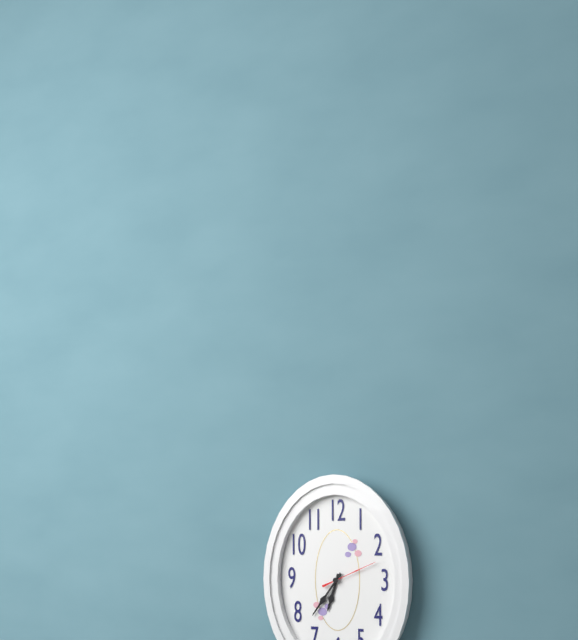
6:36:11
